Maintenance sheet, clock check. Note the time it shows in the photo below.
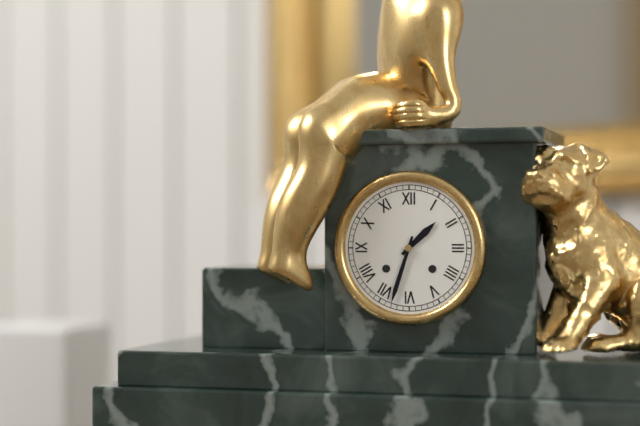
1:33
